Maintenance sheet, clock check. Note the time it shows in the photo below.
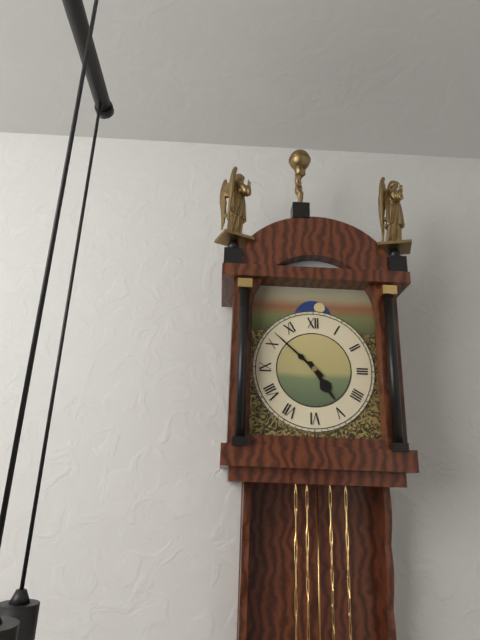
4:52
